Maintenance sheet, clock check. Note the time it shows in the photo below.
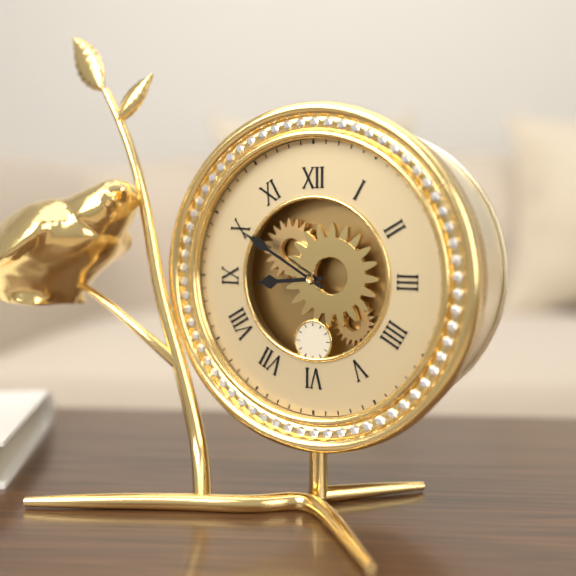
8:50
